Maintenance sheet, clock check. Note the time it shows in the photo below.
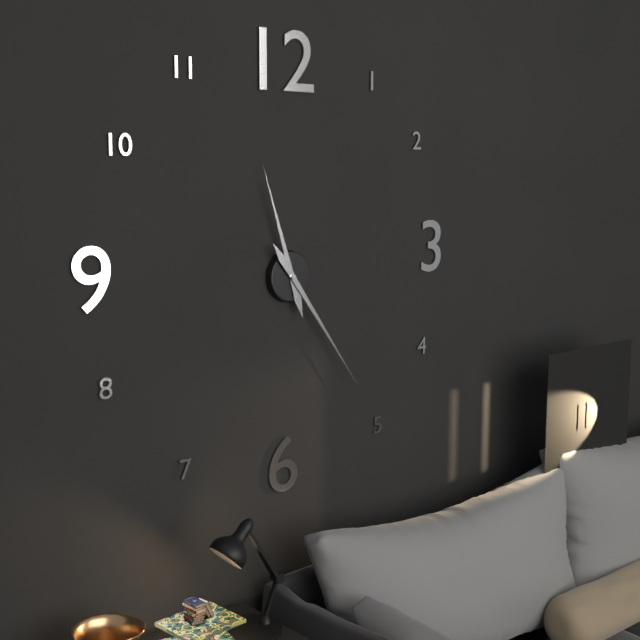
11:24
